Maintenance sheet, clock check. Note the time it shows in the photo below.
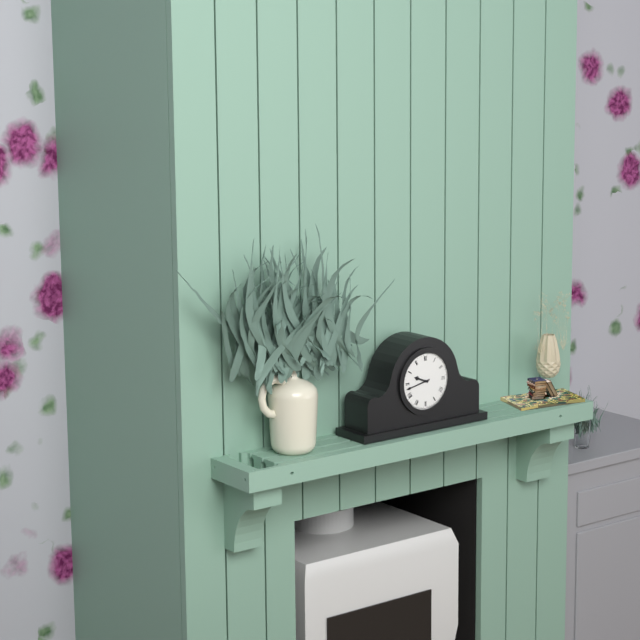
9:43
